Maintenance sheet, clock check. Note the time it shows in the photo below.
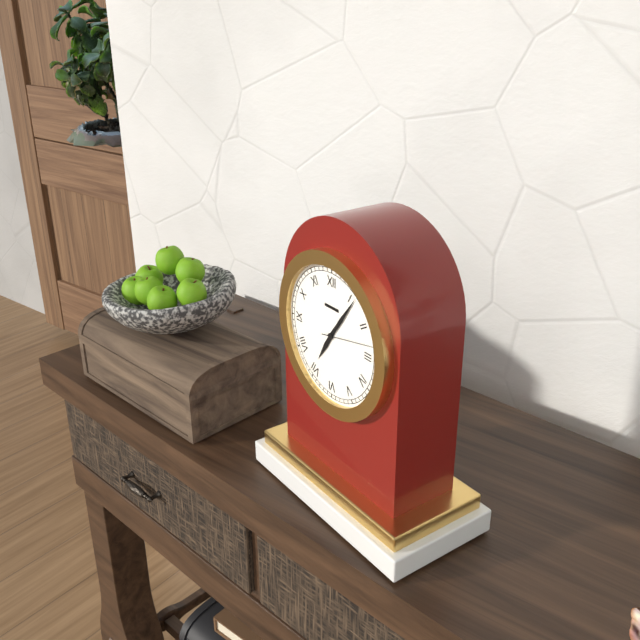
7:06:13
